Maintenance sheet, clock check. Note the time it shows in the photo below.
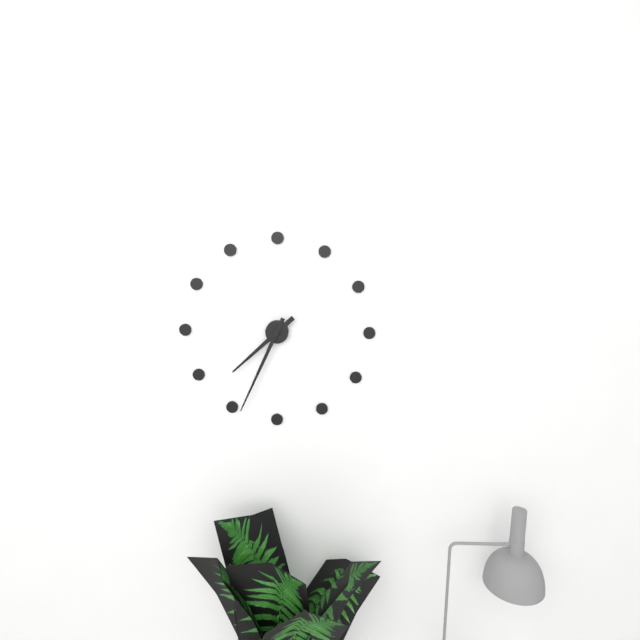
7:34
